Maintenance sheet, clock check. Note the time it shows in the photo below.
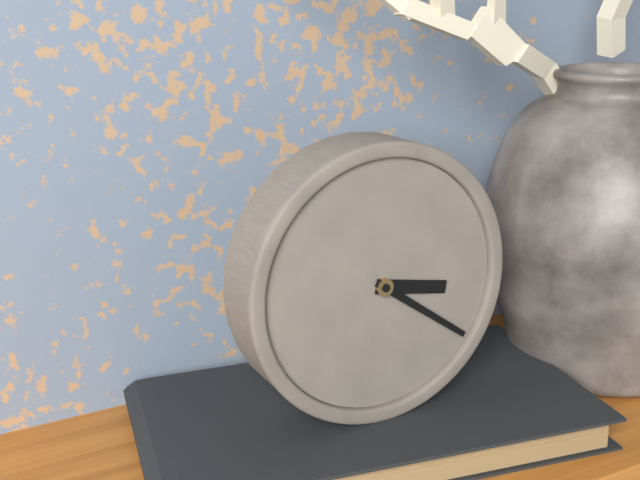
3:21
